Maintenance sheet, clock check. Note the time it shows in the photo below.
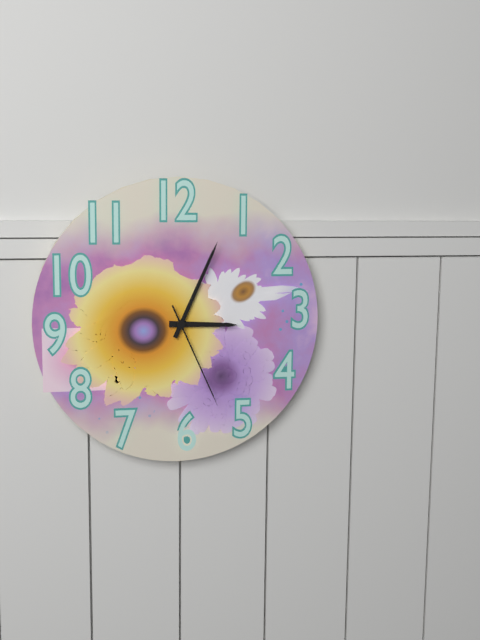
3:04:26
